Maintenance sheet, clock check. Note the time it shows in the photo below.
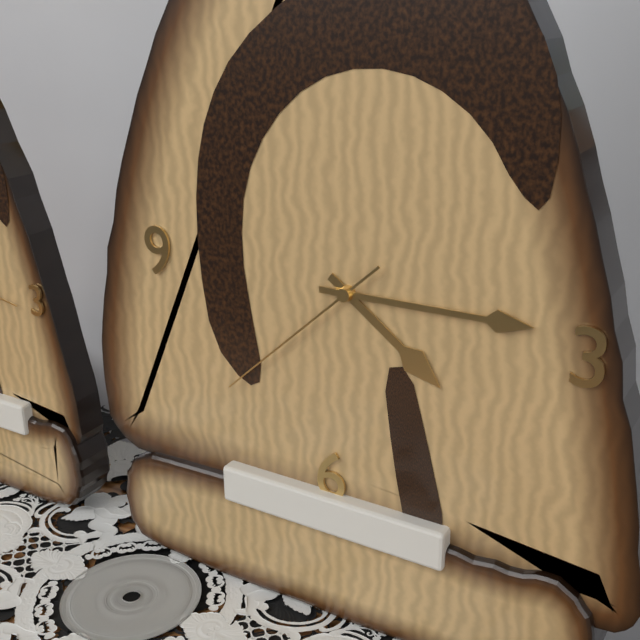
4:15:38
